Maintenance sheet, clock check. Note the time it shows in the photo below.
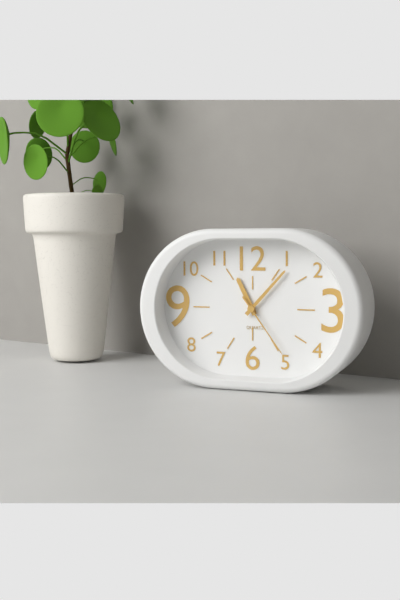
11:07:24
